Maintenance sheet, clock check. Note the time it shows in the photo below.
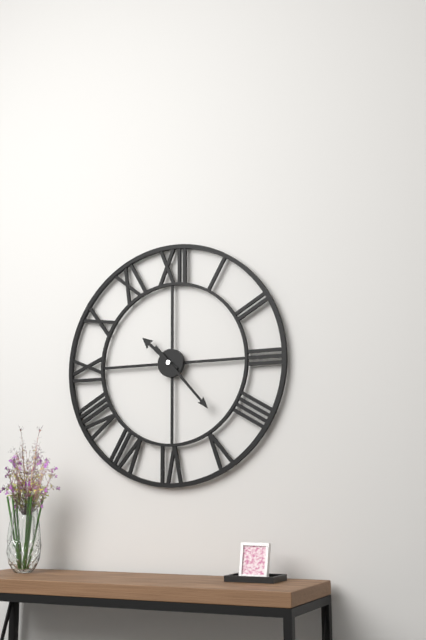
10:23
